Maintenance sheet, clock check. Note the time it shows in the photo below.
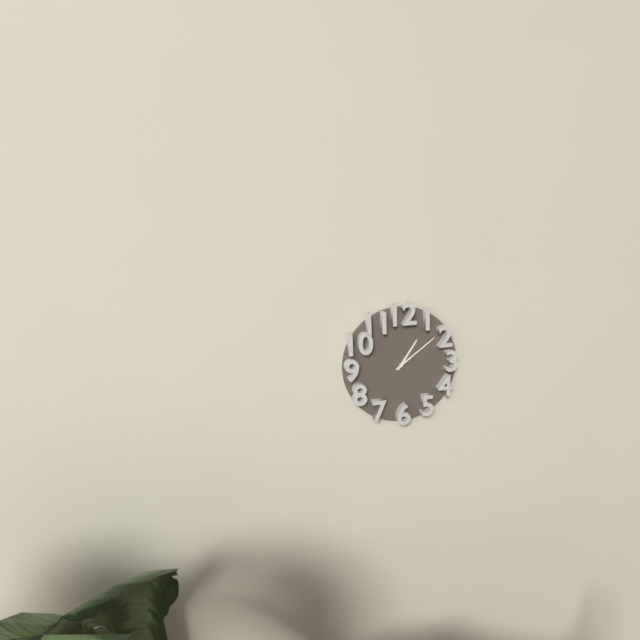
1:09
